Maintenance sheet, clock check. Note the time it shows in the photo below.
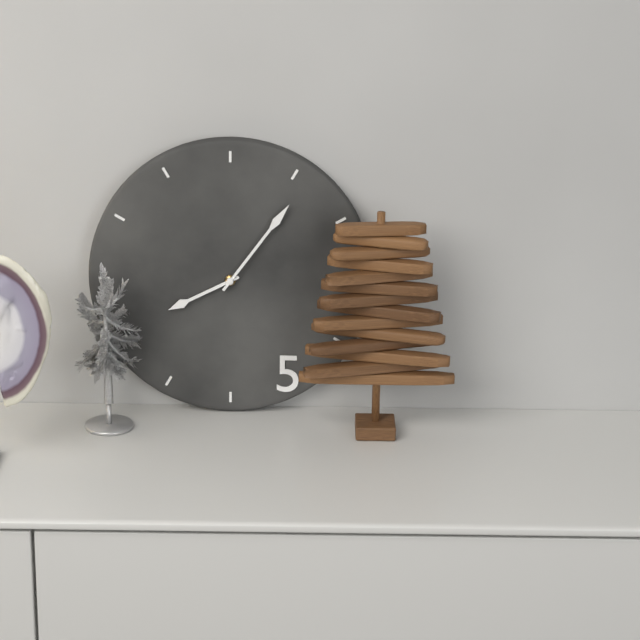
8:06
